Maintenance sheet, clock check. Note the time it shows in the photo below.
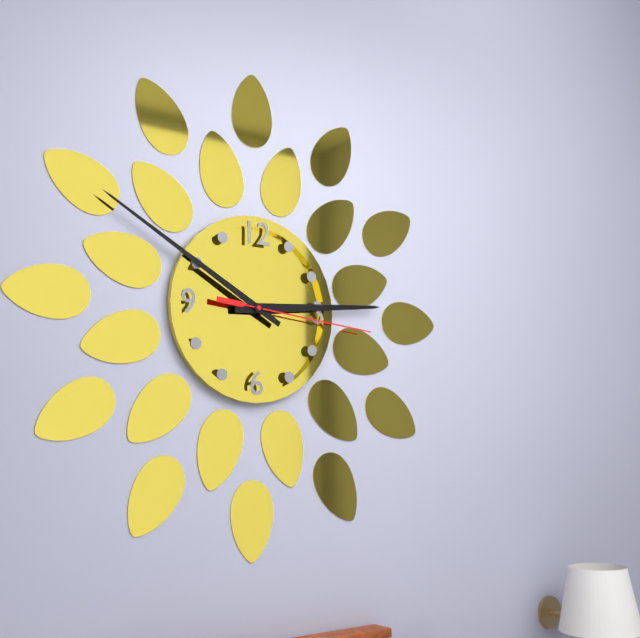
2:50:16
